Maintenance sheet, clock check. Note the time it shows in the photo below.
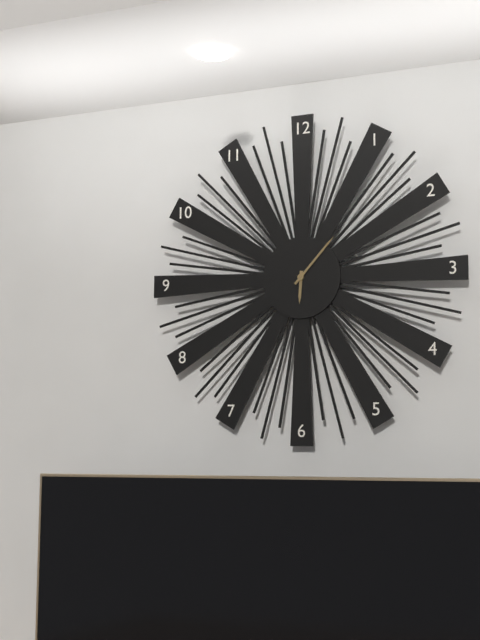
6:07
